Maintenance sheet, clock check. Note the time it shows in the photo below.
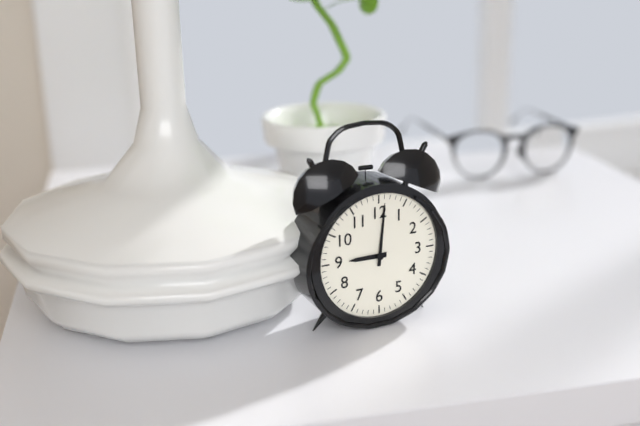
9:01
